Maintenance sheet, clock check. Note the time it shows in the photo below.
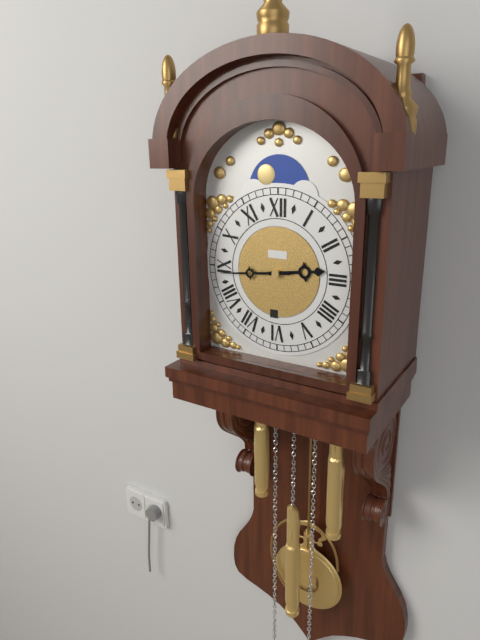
2:44
